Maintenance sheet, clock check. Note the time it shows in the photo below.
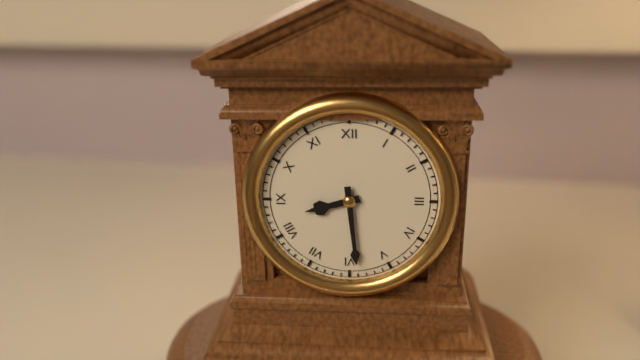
8:29
